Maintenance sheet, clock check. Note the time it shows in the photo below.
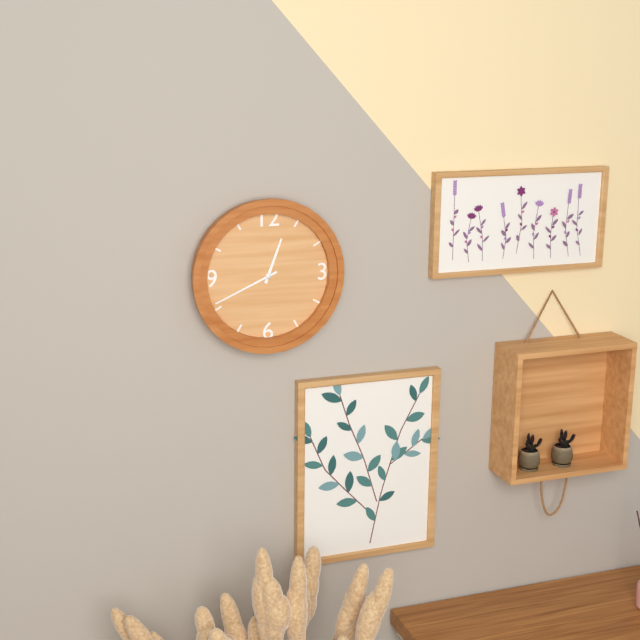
12:41
